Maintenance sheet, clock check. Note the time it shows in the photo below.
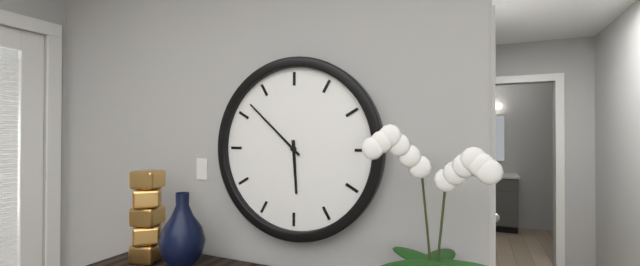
5:52
